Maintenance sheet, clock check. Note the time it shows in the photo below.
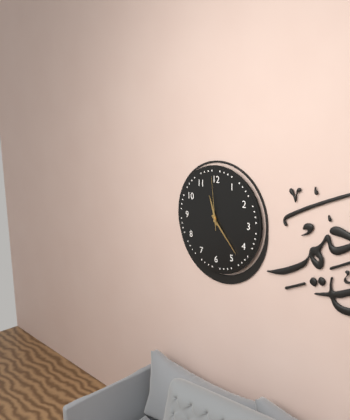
11:23:59
